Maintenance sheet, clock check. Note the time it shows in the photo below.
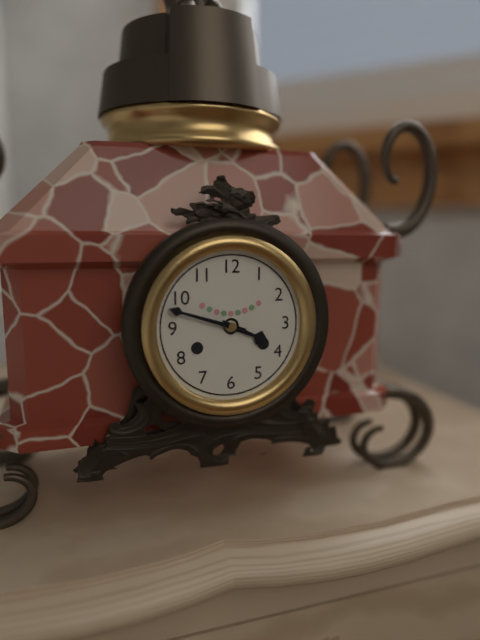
3:48
